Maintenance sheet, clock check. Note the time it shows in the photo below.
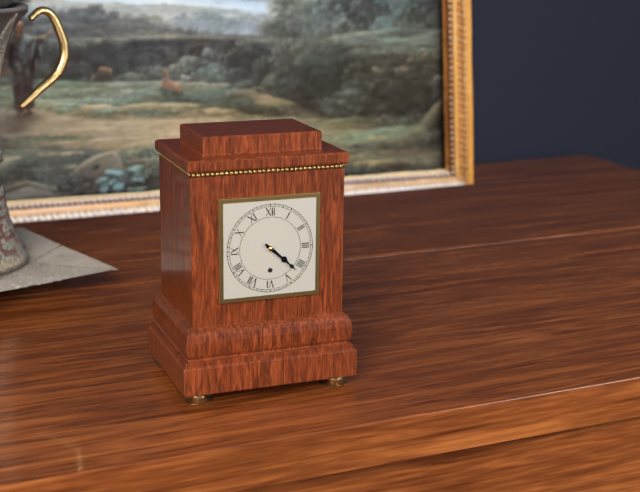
4:22
